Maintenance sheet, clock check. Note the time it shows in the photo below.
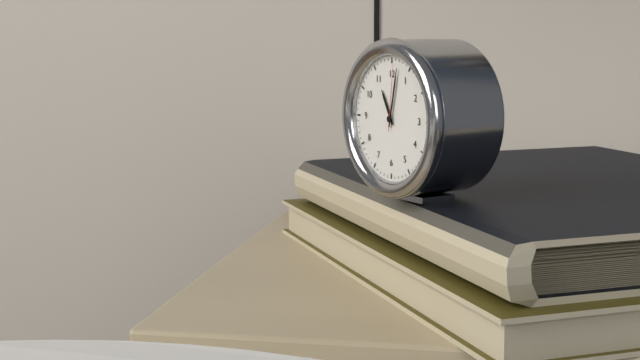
11:02:01
